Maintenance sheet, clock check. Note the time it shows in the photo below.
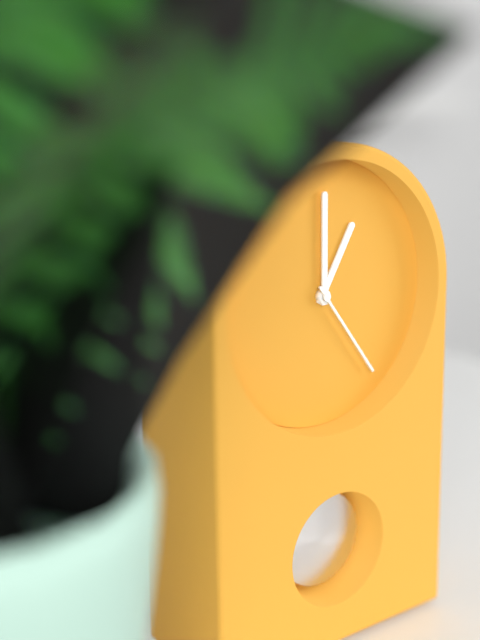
1:00:24
